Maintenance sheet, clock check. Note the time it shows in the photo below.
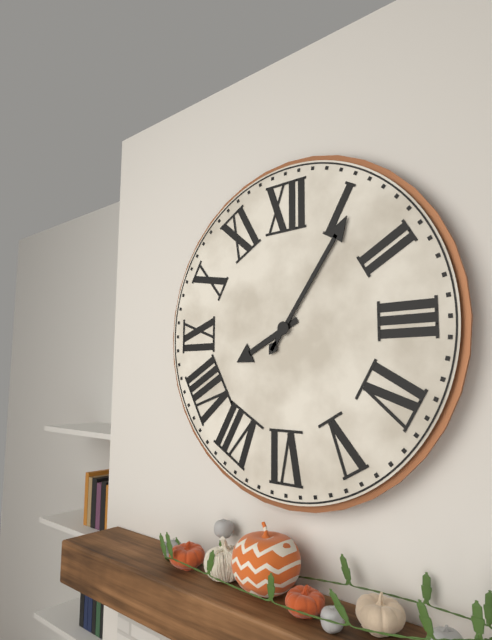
8:06
